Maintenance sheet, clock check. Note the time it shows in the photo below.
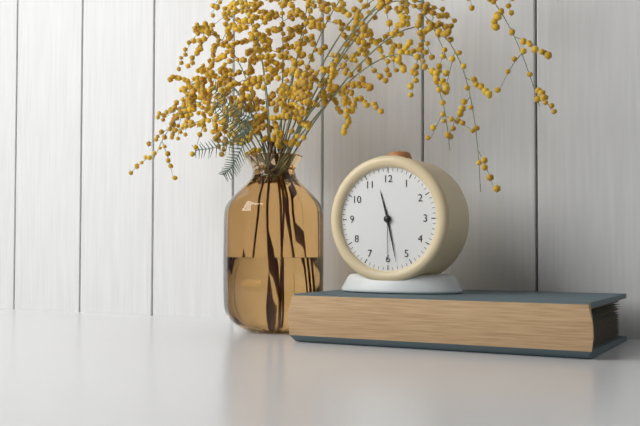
11:28:30
